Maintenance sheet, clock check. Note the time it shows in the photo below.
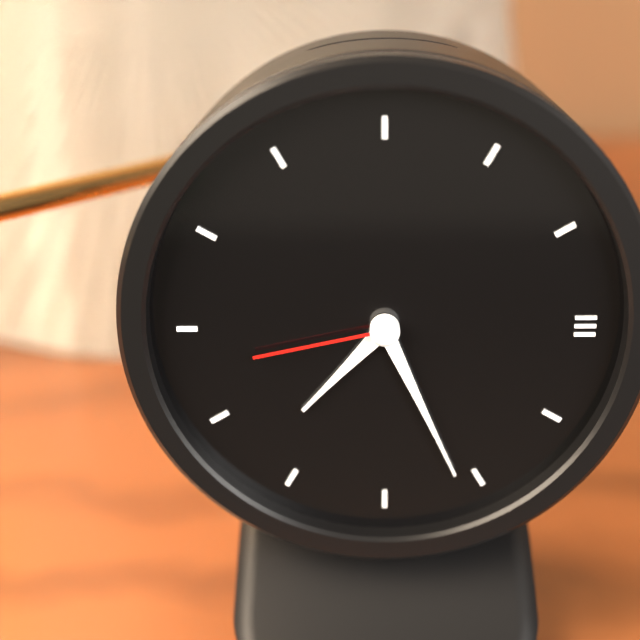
7:26:43
